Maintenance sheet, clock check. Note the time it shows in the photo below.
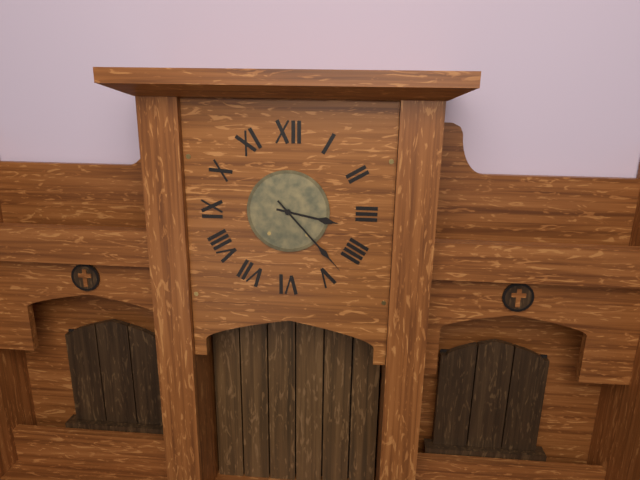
3:23
